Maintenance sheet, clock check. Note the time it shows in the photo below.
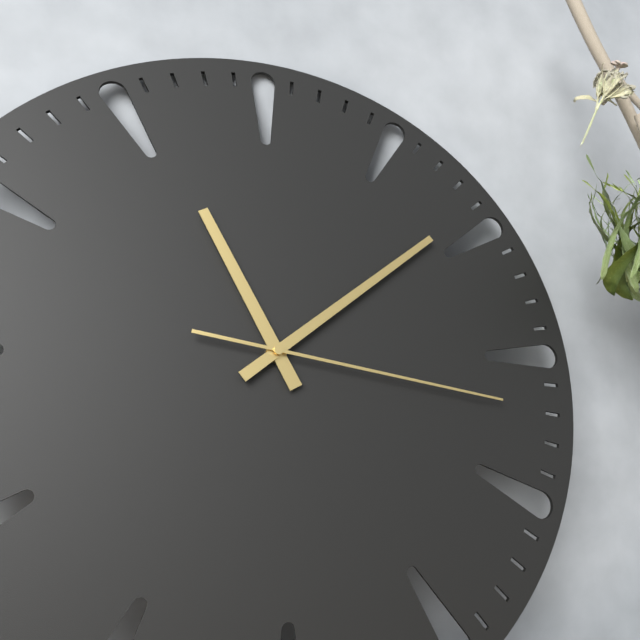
11:09:17
